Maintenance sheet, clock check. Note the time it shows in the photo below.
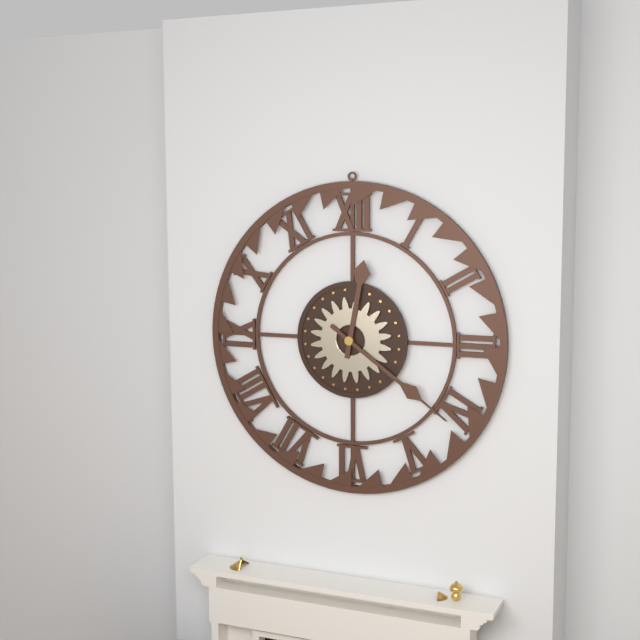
12:21
